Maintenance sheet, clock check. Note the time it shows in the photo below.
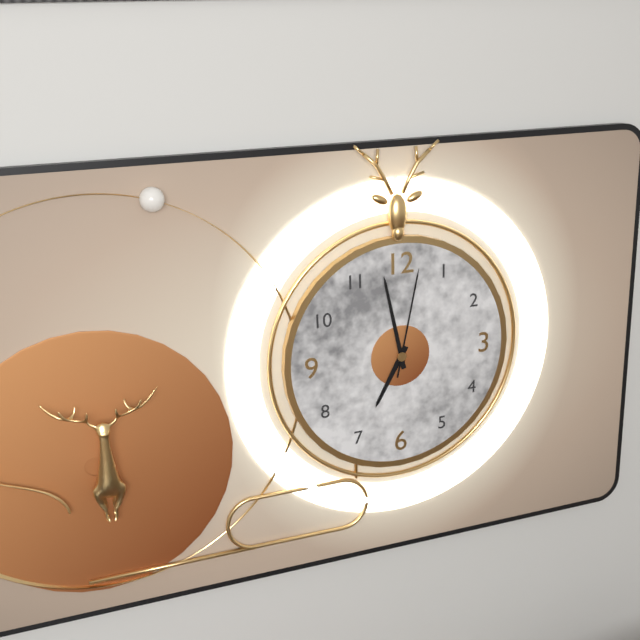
6:58:02
